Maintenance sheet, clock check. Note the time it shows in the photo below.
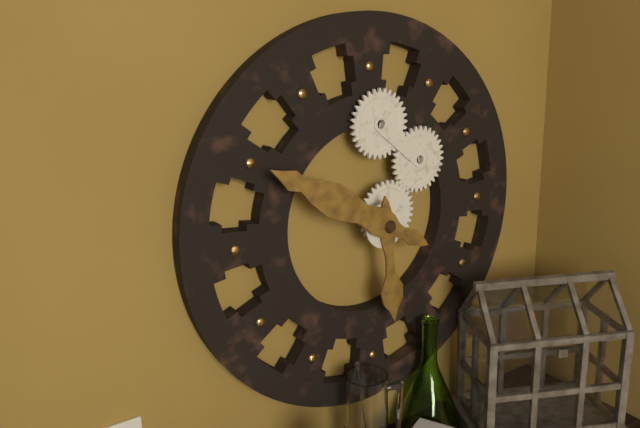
5:50
